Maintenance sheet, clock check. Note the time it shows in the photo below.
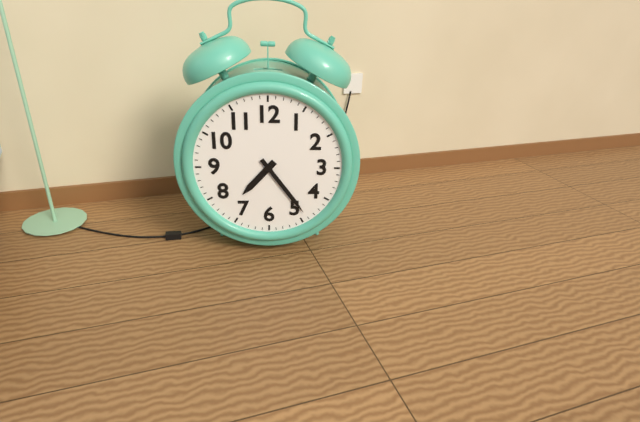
7:24
